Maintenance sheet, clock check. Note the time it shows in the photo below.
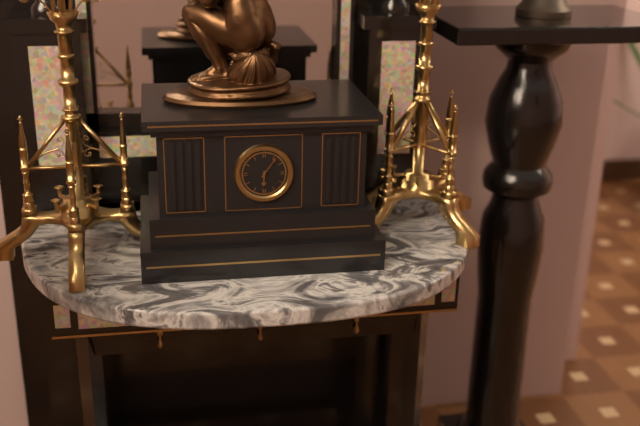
6:06
